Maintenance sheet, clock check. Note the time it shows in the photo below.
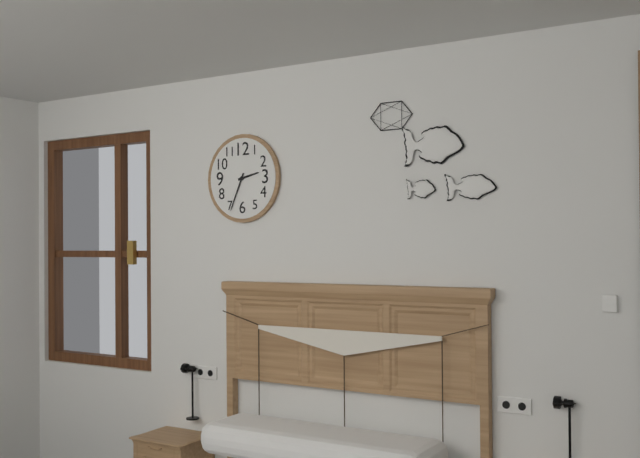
2:34
